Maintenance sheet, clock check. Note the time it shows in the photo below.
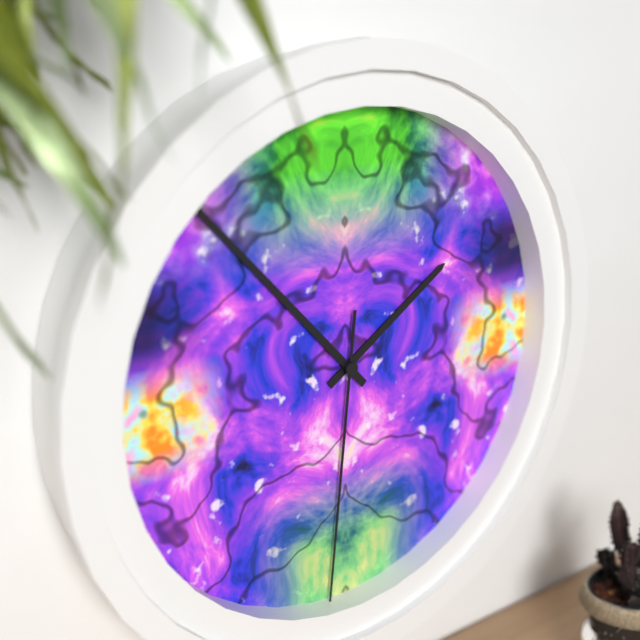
1:53:31
